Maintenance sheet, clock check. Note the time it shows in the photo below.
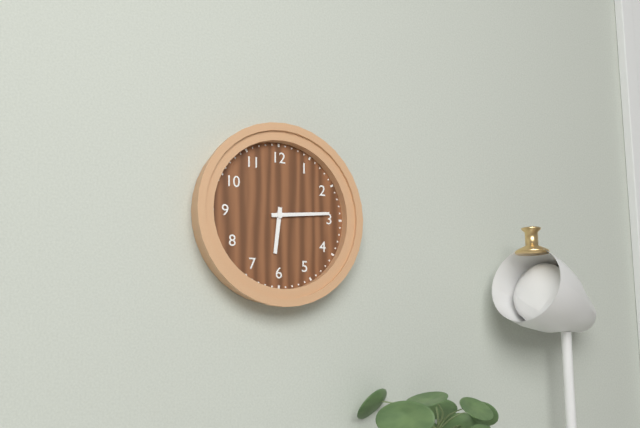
6:14
